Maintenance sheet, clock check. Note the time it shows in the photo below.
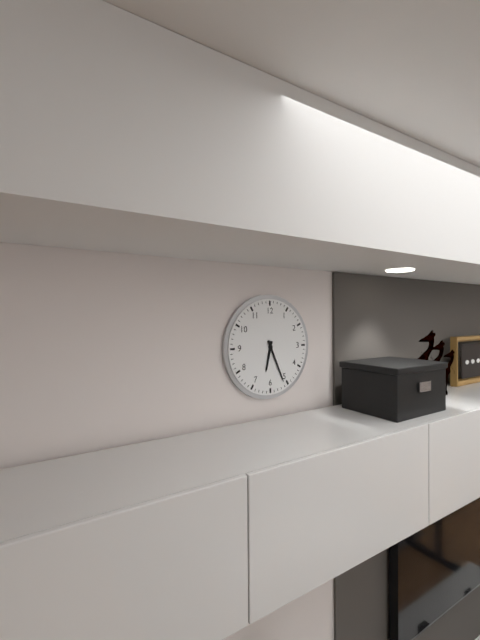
6:26
